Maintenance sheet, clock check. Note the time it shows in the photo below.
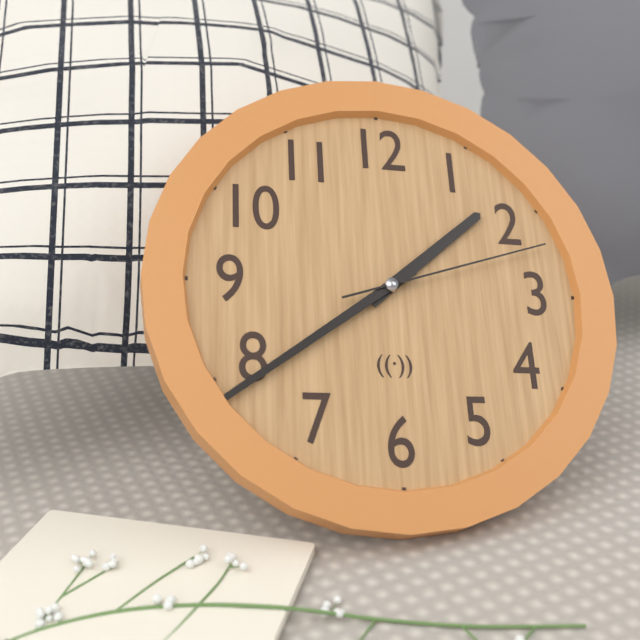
1:39:12
